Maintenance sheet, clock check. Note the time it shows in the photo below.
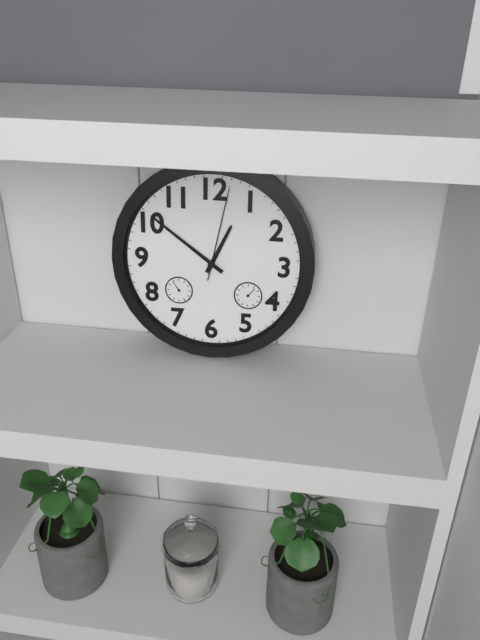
12:51:02
